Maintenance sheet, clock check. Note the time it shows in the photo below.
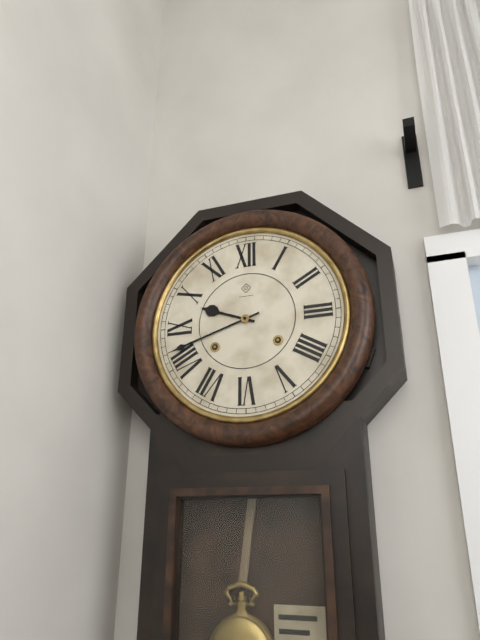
9:42
